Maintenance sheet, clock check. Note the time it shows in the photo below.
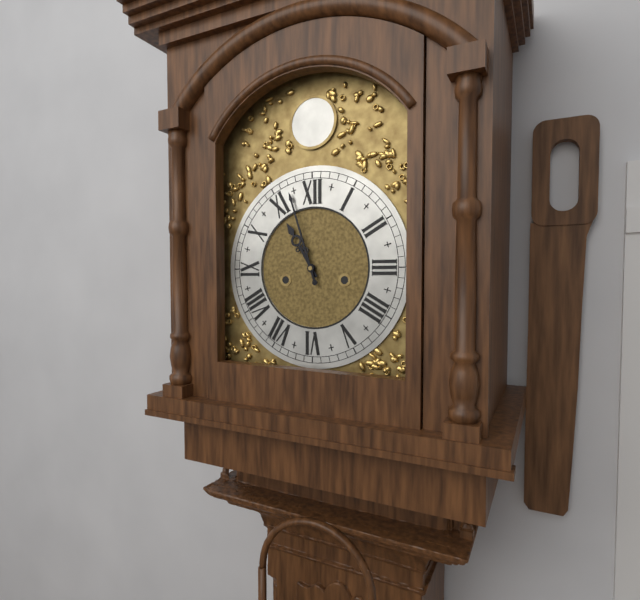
10:57
